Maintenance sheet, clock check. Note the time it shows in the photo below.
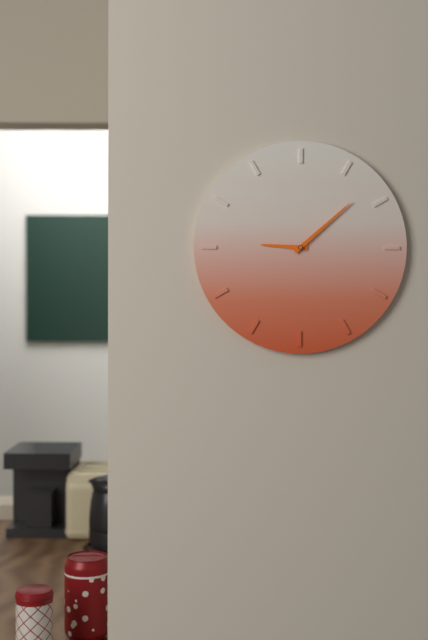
9:08
